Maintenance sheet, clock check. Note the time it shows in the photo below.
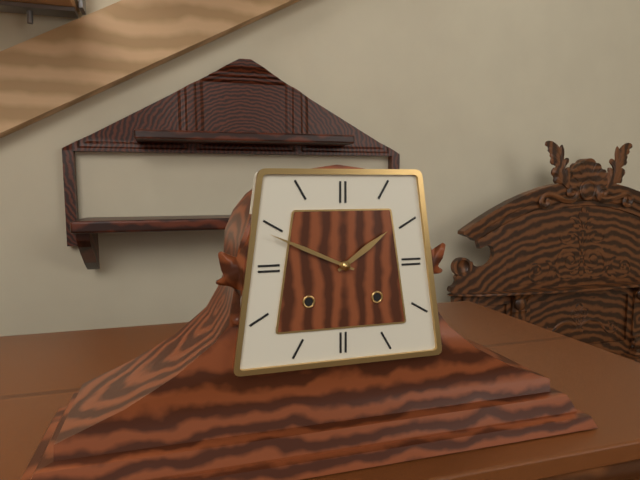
1:49
